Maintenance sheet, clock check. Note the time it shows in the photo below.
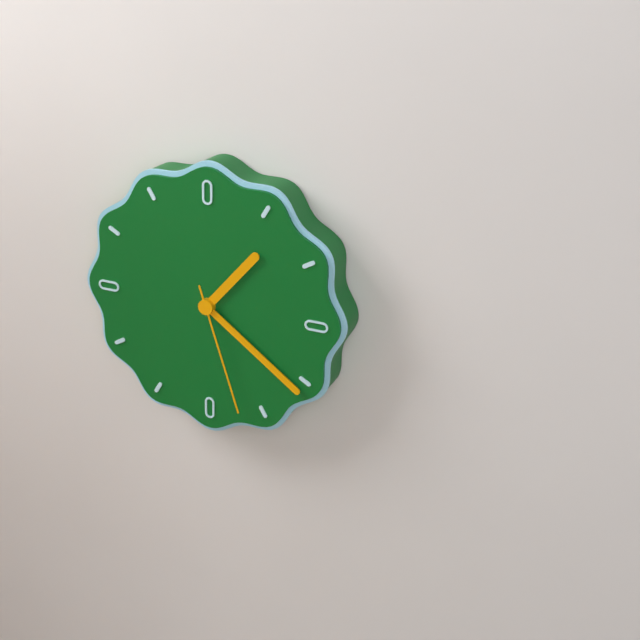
1:21:27
